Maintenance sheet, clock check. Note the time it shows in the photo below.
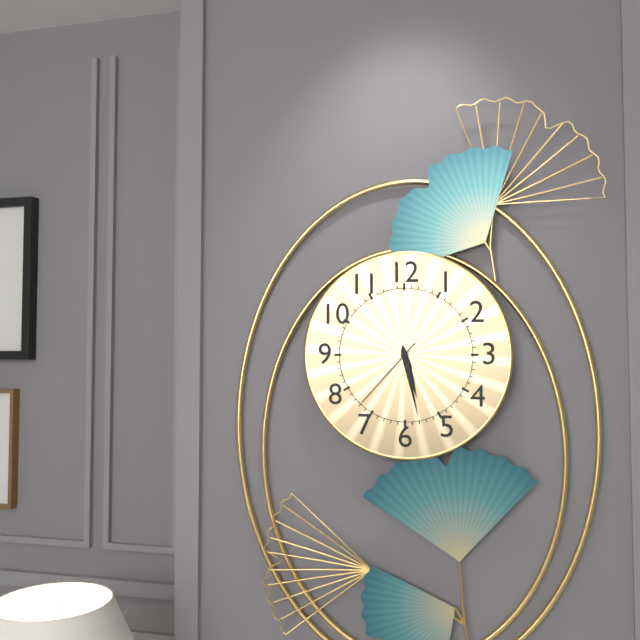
5:28:37
